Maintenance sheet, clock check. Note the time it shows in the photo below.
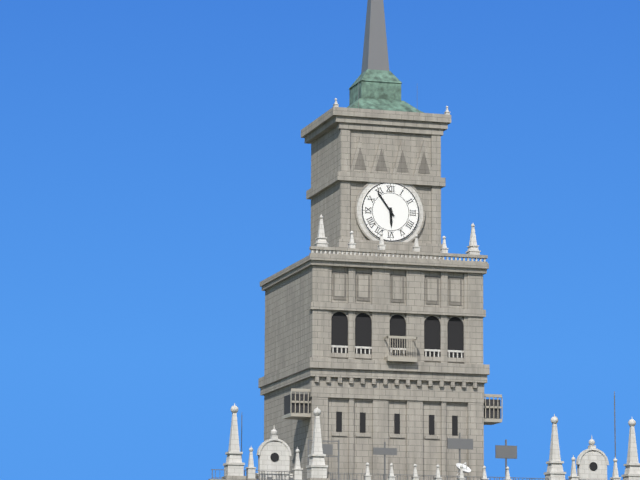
5:54
